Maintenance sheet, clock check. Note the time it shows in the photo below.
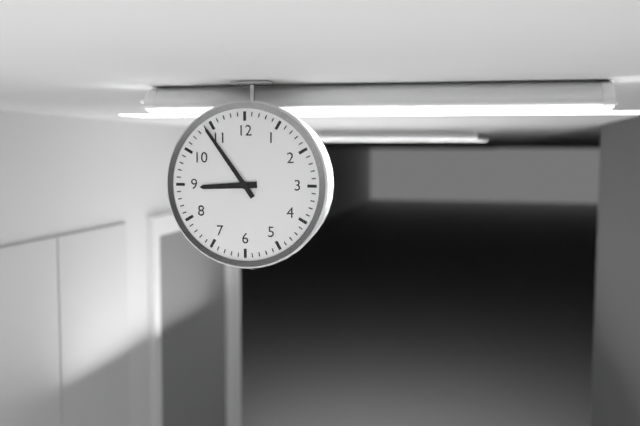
8:54
